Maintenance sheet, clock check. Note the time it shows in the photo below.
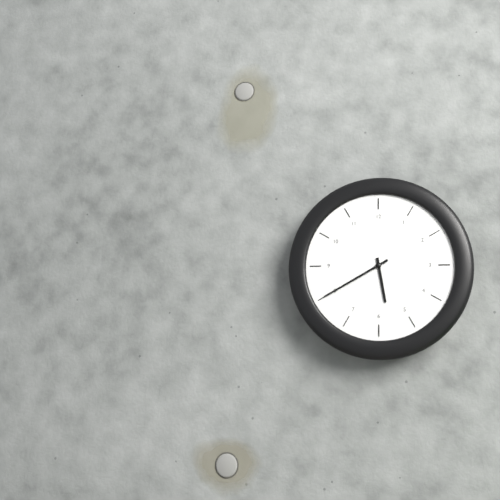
5:40
